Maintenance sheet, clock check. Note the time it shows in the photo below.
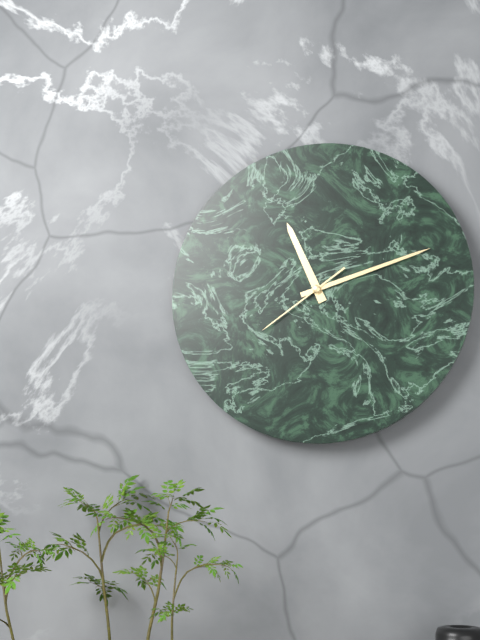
11:12:39
